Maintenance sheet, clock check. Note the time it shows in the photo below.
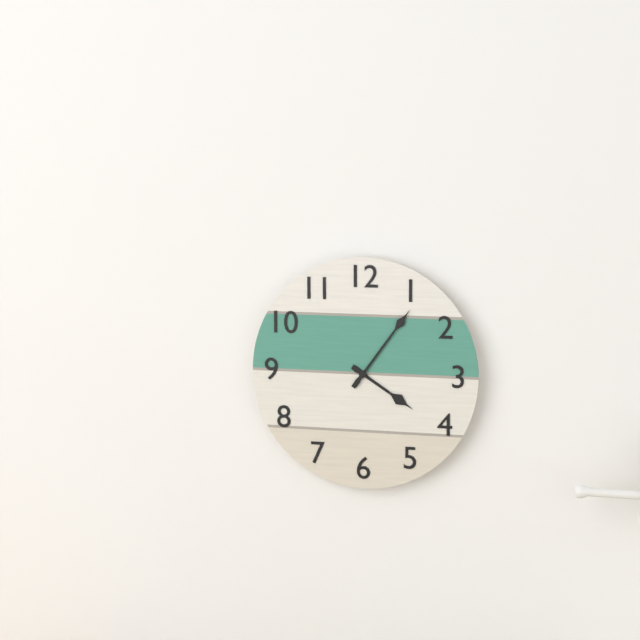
4:06
